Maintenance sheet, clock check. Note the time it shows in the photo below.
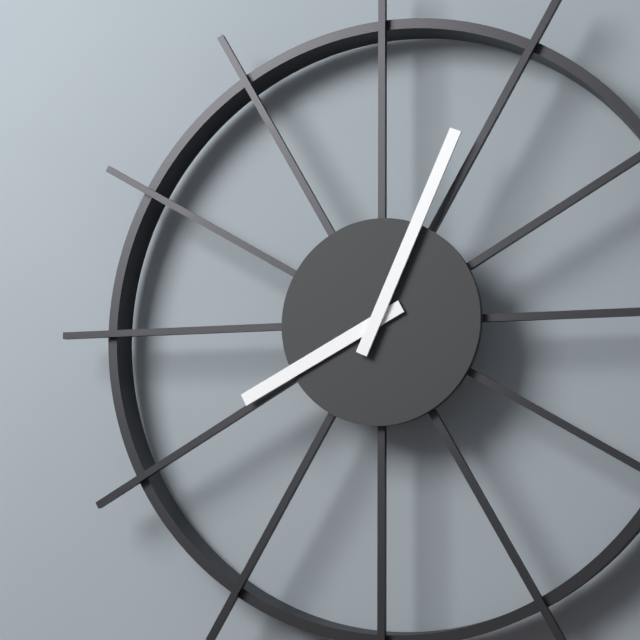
8:04
